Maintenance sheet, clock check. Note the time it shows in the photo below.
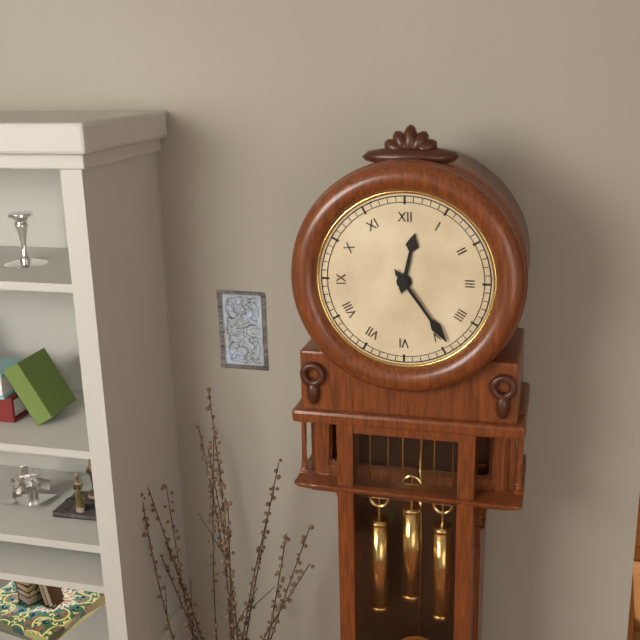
12:24
